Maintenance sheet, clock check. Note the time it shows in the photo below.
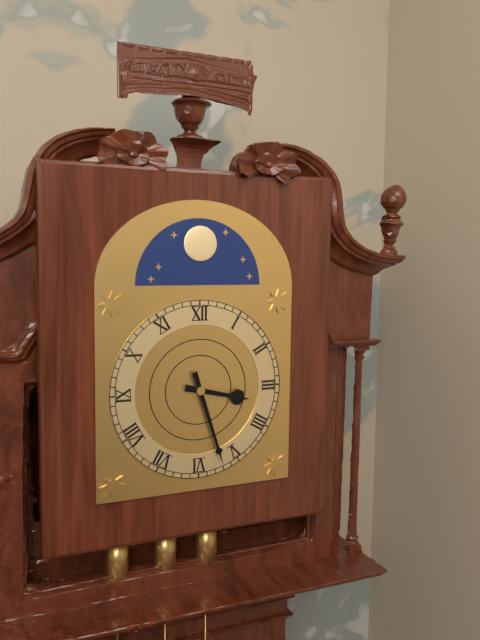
3:27
